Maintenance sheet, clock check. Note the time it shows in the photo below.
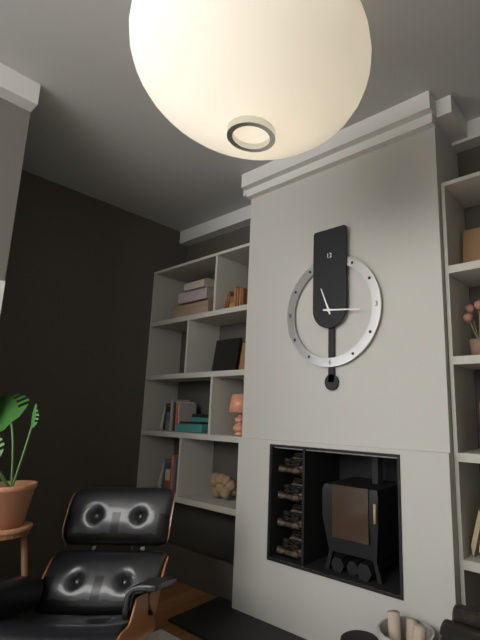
11:16
